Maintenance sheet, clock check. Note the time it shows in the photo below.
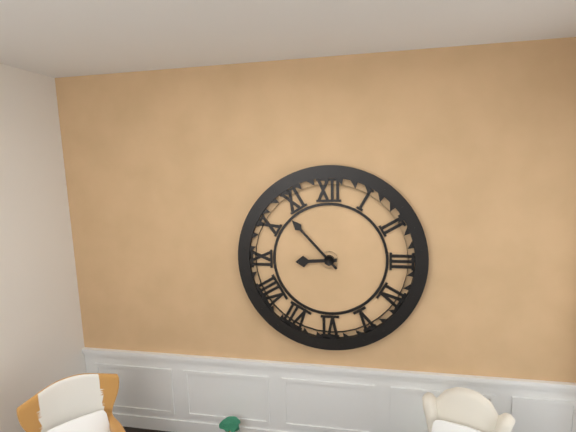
8:53
